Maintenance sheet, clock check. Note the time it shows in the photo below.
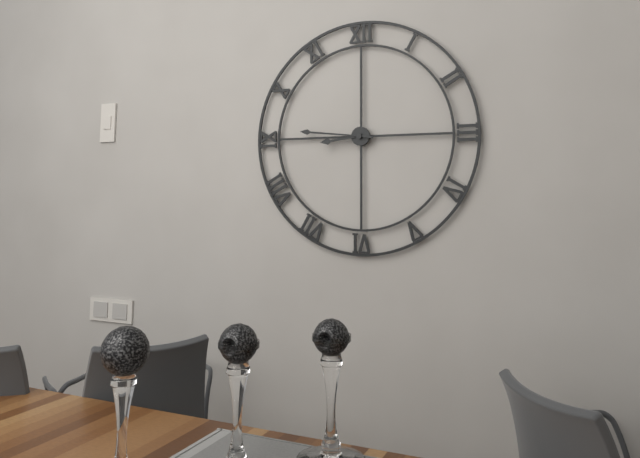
8:46
